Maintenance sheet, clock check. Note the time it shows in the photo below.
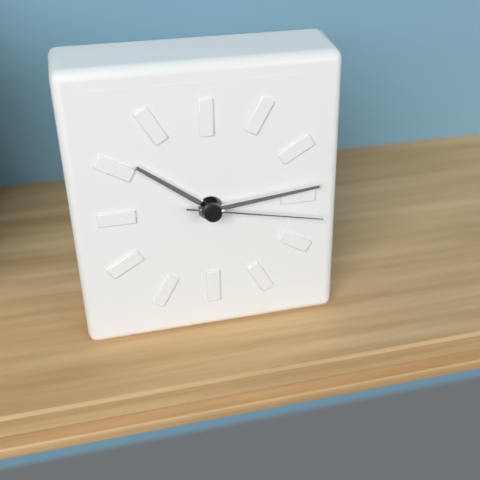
10:14:17
